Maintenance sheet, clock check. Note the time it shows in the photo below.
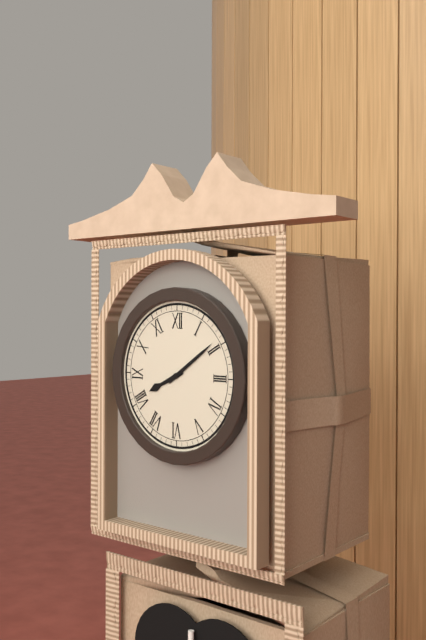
8:09
